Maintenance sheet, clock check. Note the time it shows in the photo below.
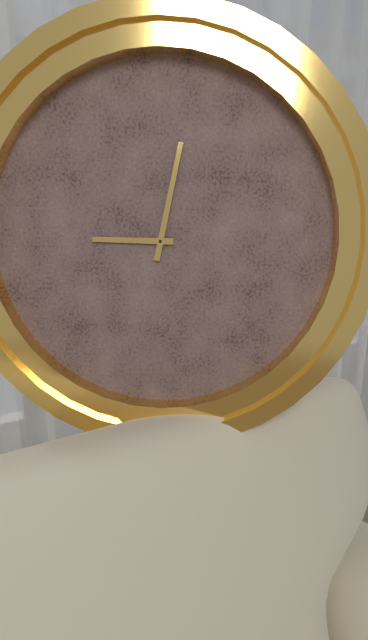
9:02
